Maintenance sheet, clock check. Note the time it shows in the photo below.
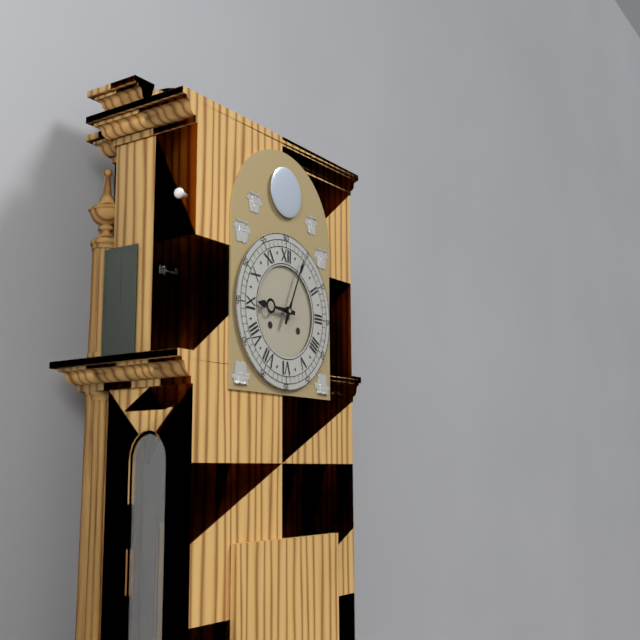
9:04
